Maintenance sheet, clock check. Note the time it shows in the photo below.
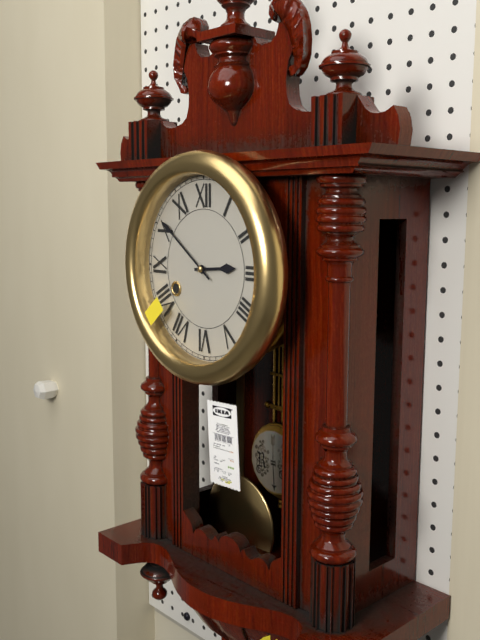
2:51
